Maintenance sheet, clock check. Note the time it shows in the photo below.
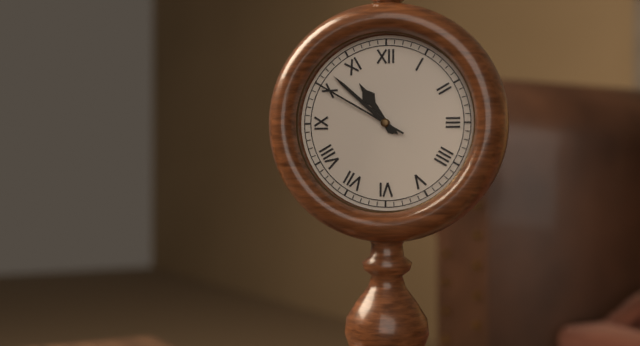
10:52:50
